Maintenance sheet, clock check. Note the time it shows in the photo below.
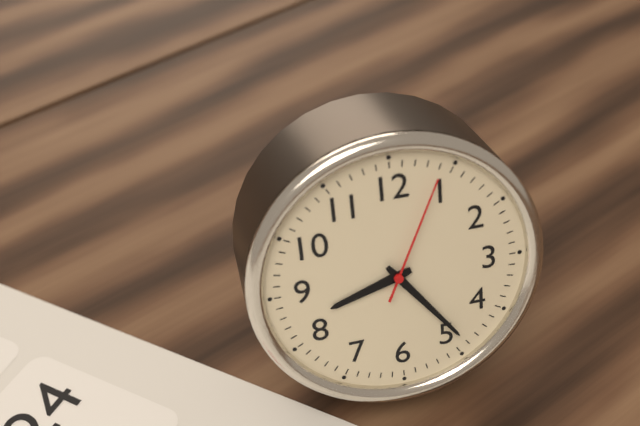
8:24:04
